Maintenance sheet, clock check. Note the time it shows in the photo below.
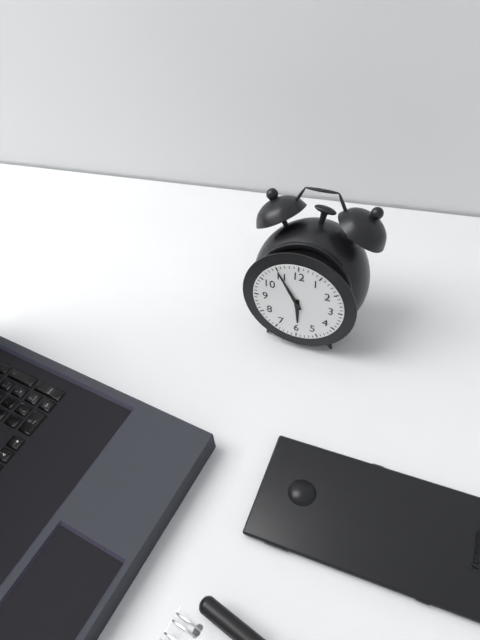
5:55
